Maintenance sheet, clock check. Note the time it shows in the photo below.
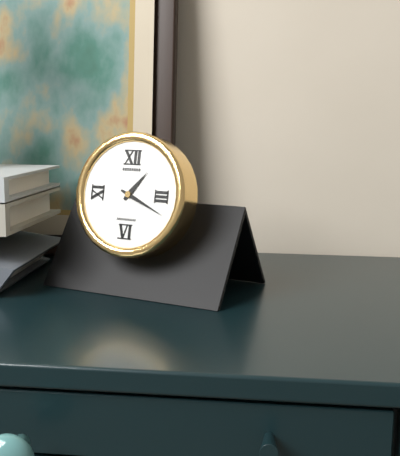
1:19
